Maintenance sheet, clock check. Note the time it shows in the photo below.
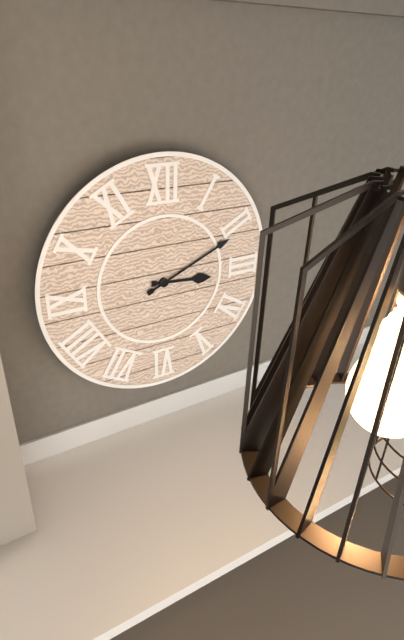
3:11
